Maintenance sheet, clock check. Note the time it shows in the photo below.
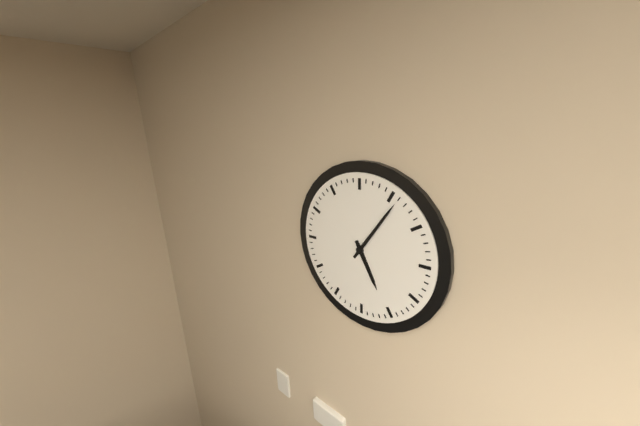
5:06
